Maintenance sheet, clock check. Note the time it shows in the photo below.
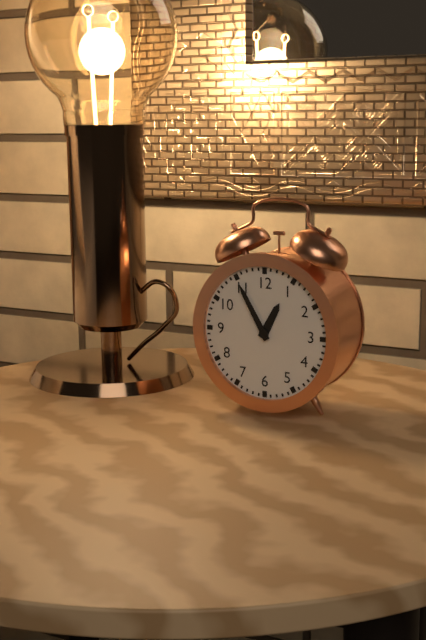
12:55
